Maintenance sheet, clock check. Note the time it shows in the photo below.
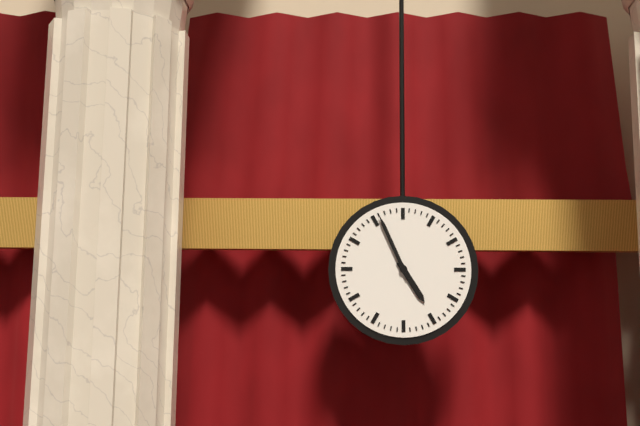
4:56
